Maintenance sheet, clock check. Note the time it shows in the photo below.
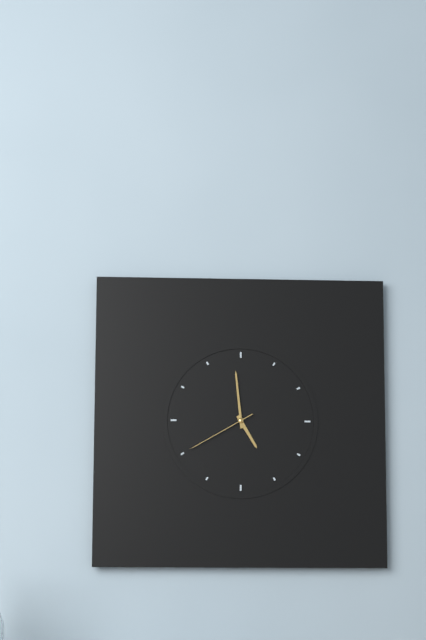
4:59:40
